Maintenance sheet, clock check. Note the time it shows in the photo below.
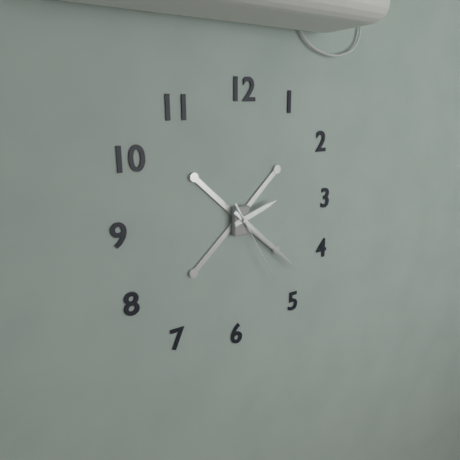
2:22:25
